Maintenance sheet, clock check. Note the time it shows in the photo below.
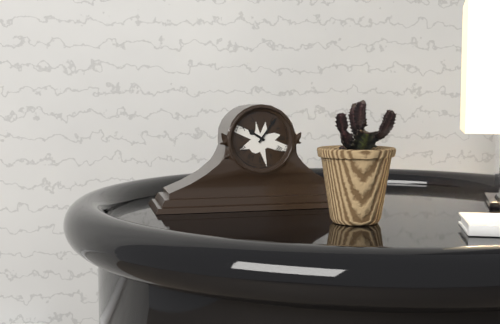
10:06
